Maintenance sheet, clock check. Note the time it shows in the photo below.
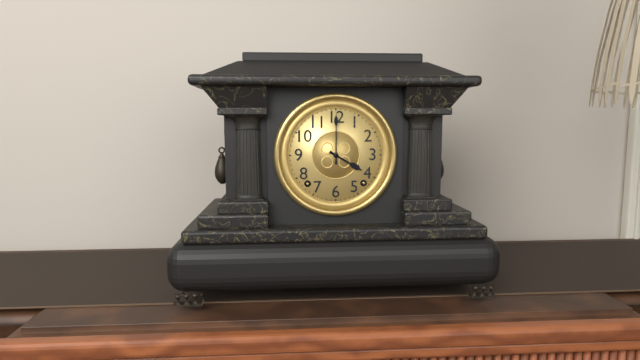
4:00
